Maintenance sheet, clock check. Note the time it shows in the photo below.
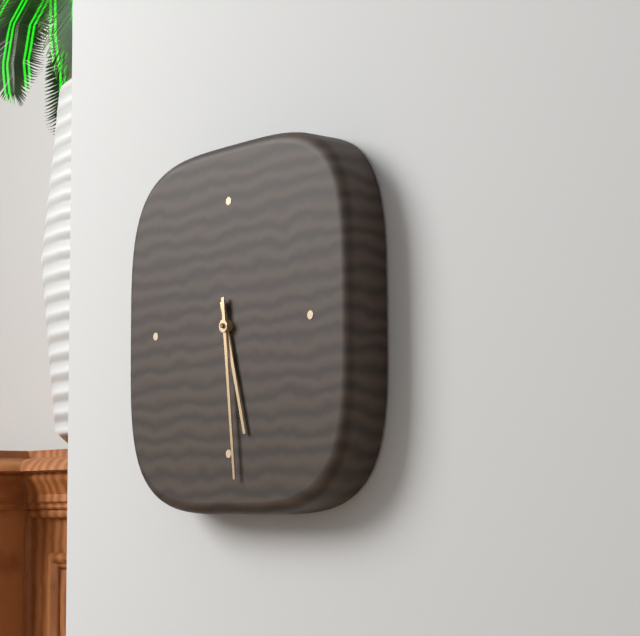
5:29
